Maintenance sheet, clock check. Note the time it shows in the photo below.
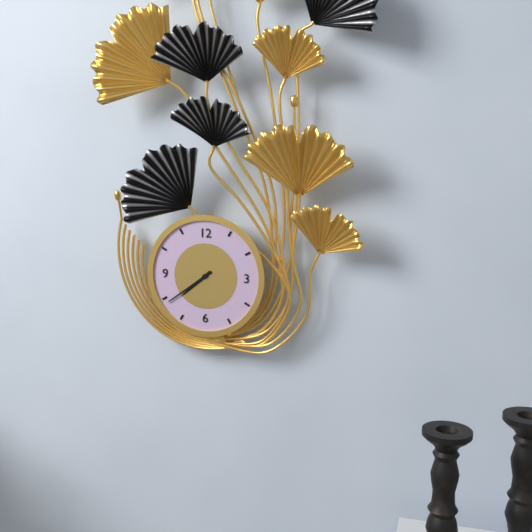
7:39
